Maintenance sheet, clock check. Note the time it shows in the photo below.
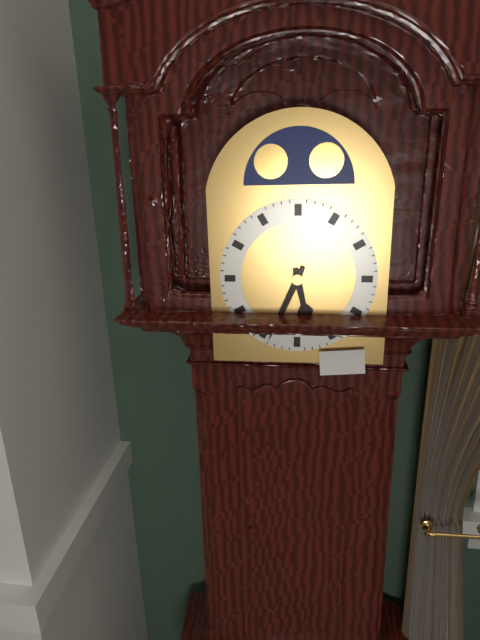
5:34
